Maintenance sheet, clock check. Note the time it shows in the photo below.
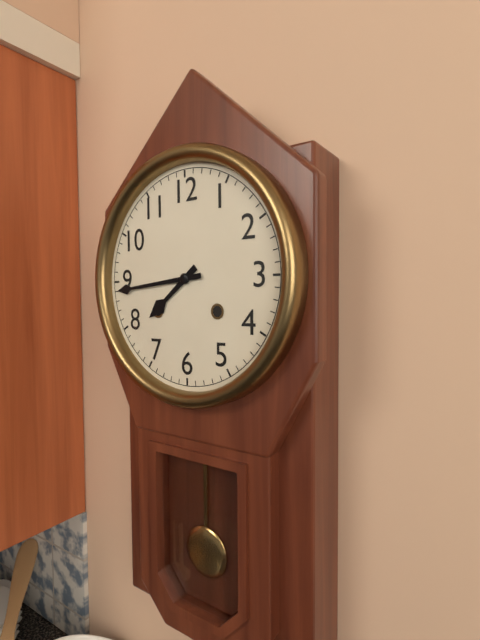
7:44
